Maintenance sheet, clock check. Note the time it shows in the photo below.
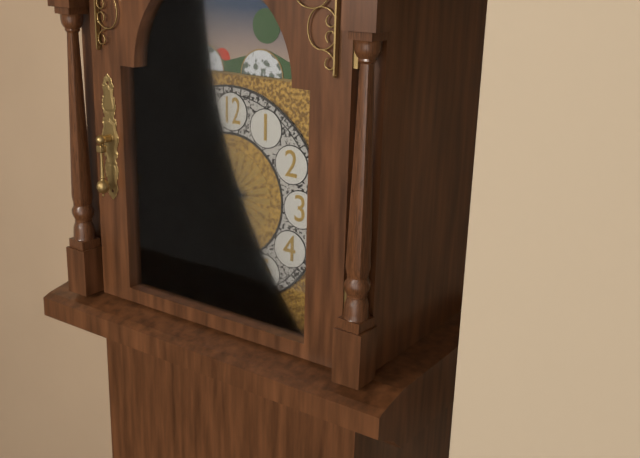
7:43
